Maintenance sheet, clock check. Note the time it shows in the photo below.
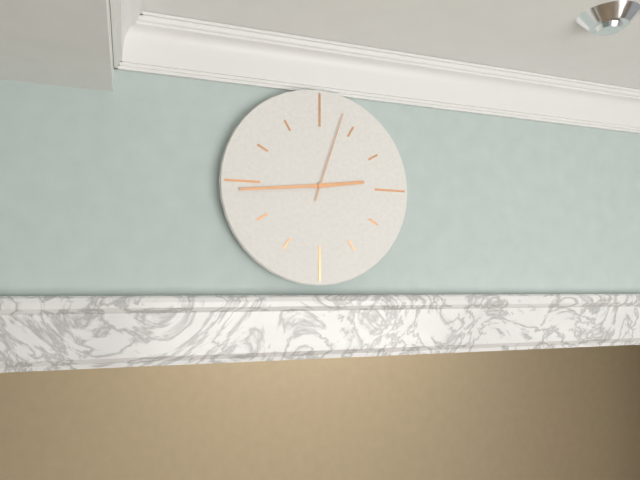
2:44:03
